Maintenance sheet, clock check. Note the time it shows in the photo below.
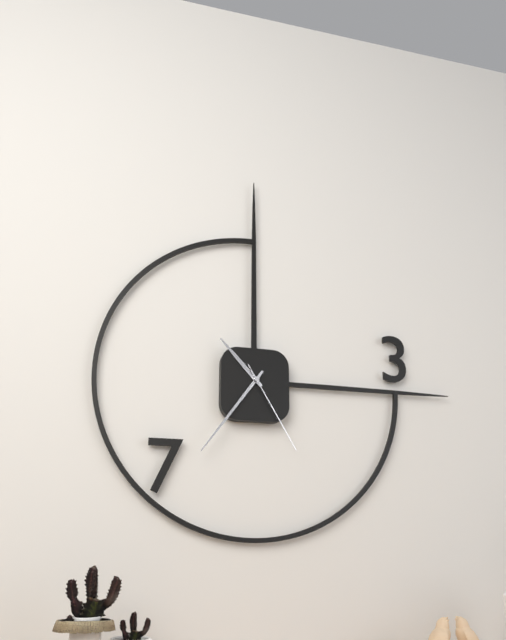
10:36:25
